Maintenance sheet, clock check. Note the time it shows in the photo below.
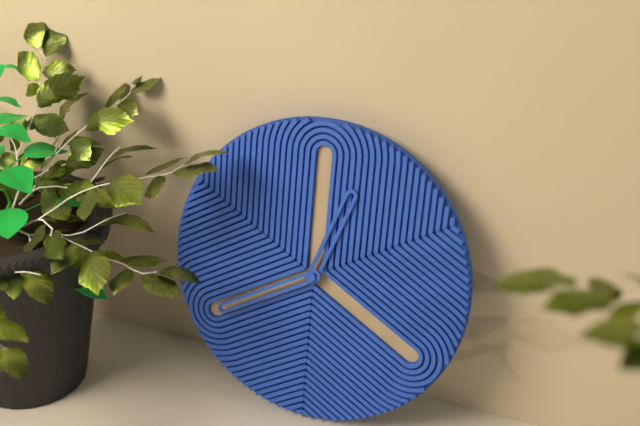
12:40
